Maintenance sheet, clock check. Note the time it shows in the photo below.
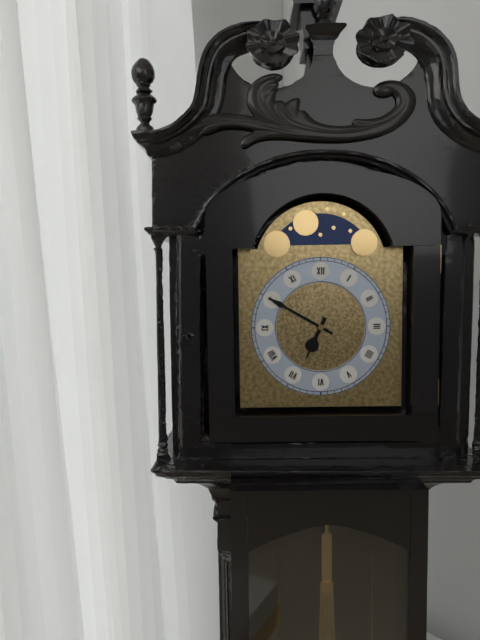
6:50
